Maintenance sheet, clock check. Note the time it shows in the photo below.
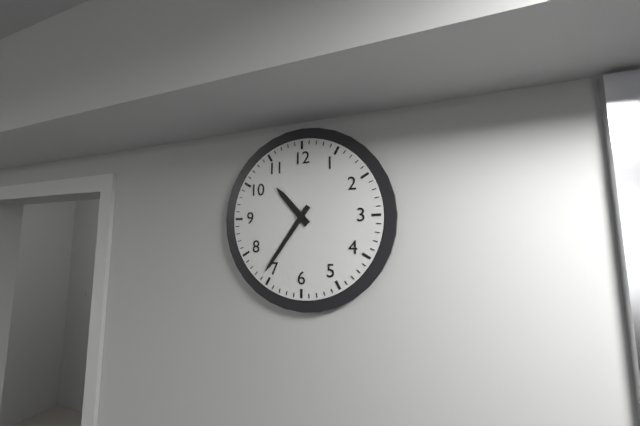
10:36
